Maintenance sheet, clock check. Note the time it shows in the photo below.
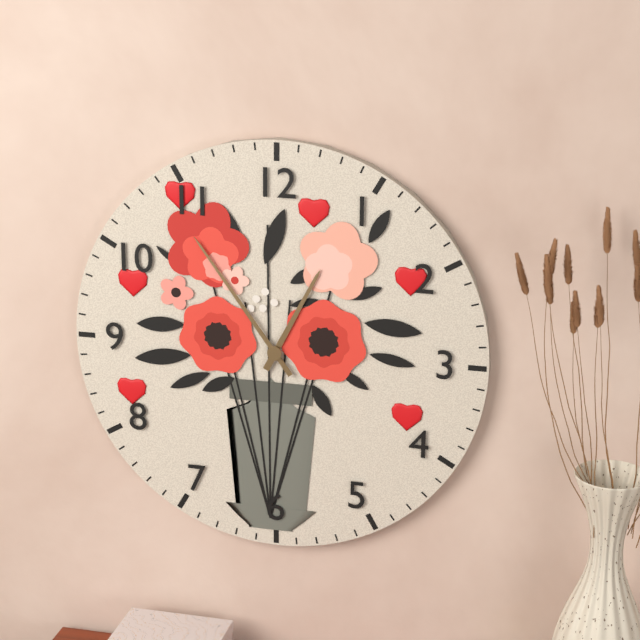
12:54
